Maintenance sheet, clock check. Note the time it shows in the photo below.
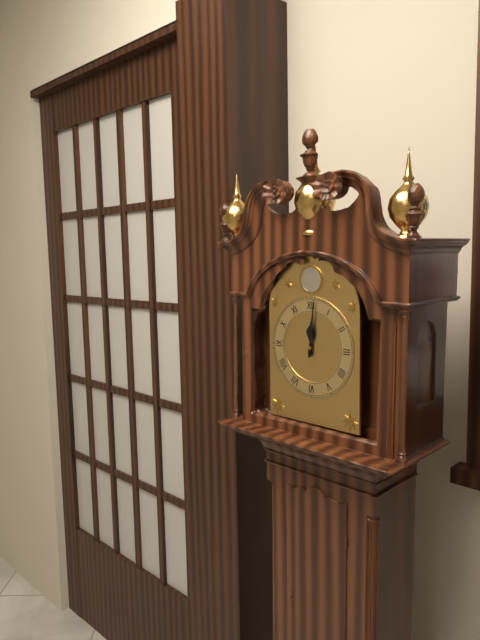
12:01
